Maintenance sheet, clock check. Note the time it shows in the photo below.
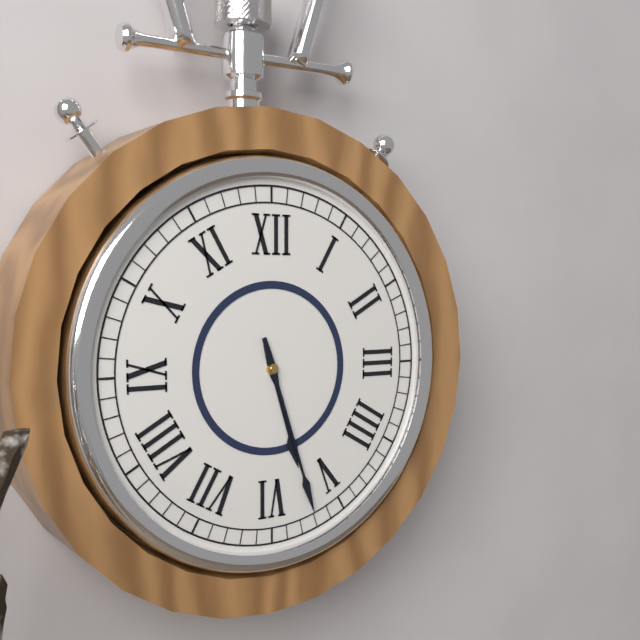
5:27
